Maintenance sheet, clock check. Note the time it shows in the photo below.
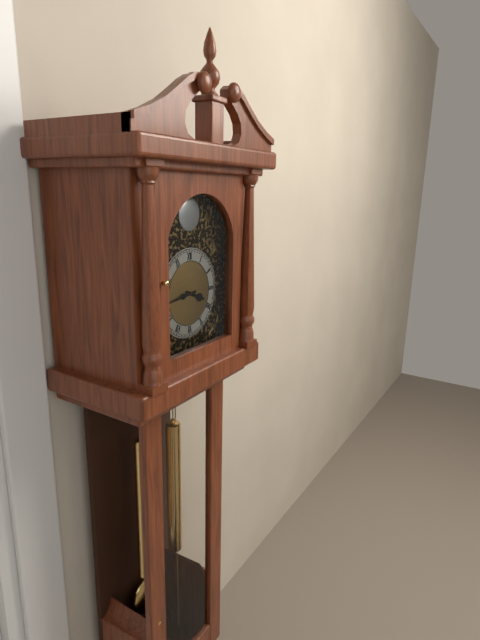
3:44
